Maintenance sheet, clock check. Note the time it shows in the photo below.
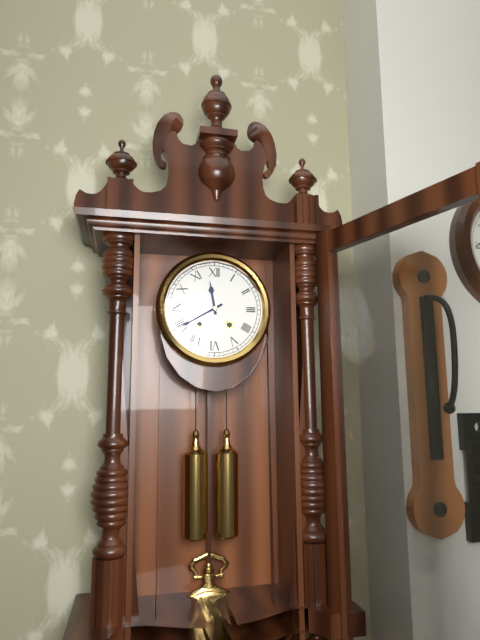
11:40
